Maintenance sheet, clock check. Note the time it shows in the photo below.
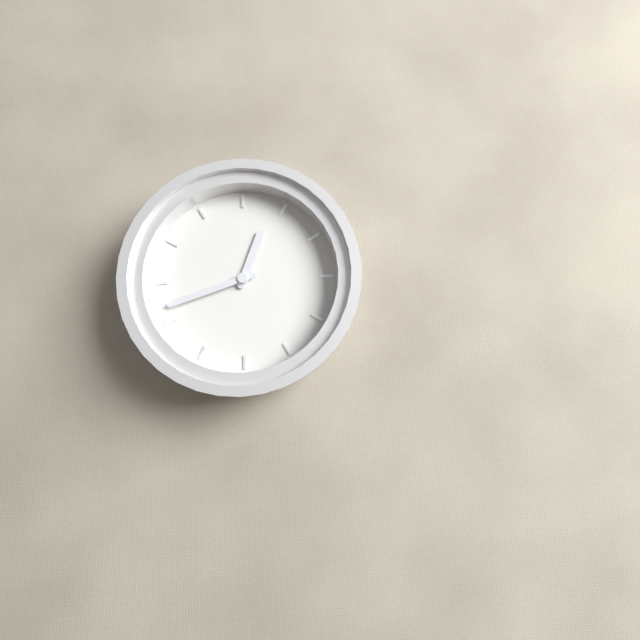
12:42
